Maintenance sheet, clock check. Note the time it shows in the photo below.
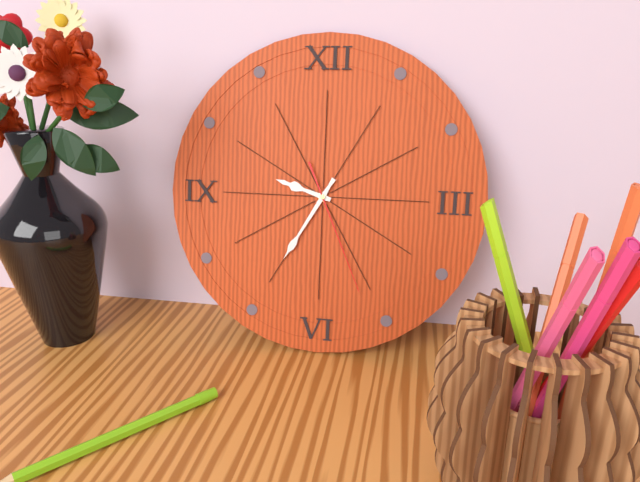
9:35:26
